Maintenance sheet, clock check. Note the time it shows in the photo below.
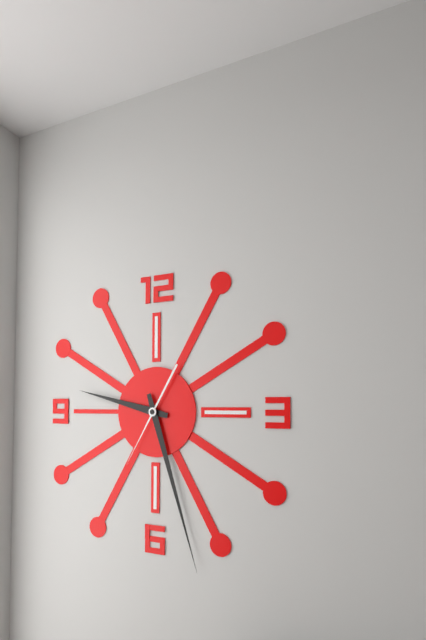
9:27:35
